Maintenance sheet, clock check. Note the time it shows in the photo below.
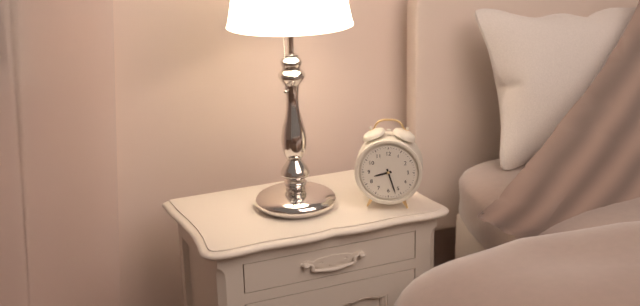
8:27
